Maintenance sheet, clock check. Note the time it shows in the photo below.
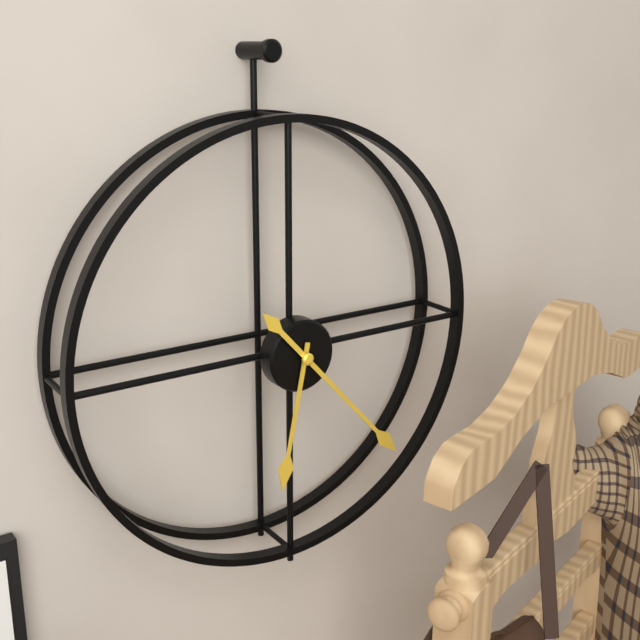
6:23
